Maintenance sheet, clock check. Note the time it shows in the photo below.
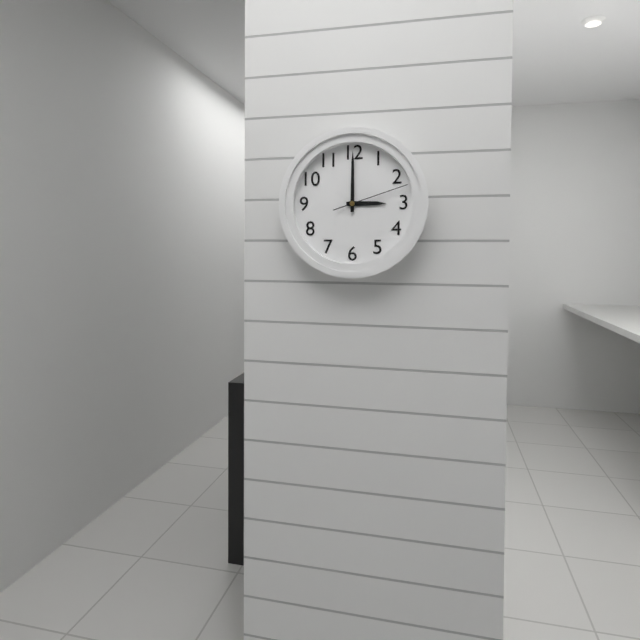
3:00:12
